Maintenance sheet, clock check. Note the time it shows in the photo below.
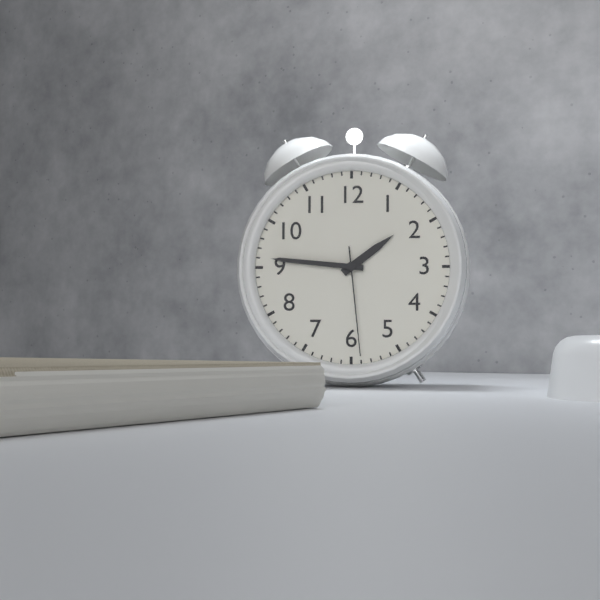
1:46:29
